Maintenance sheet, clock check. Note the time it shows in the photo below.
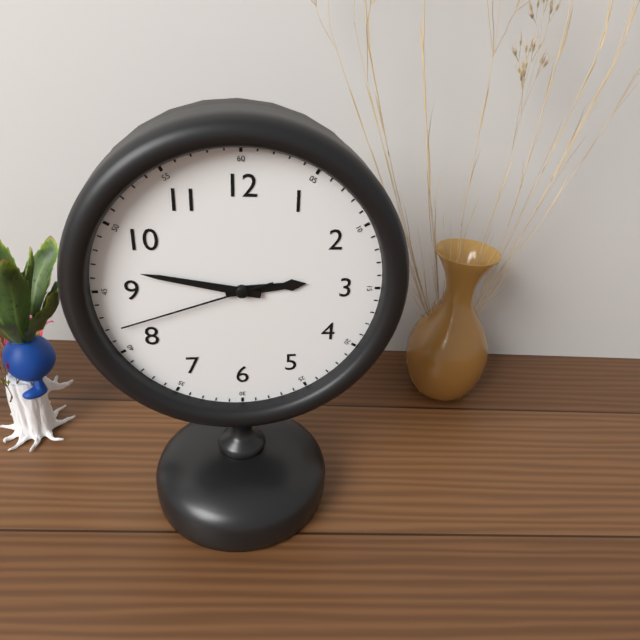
2:47:42
